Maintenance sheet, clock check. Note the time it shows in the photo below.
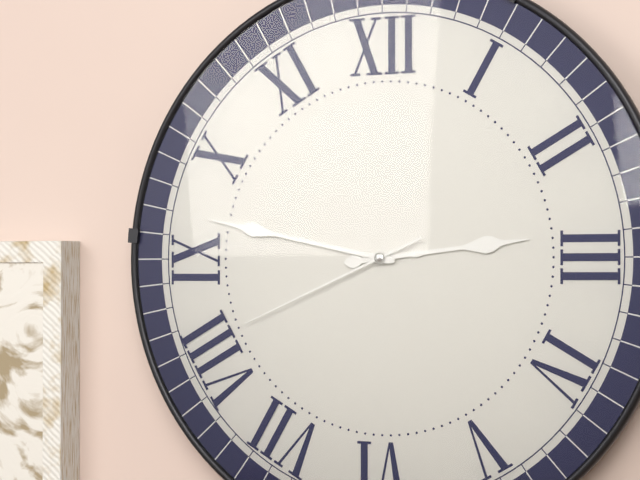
2:47:41
